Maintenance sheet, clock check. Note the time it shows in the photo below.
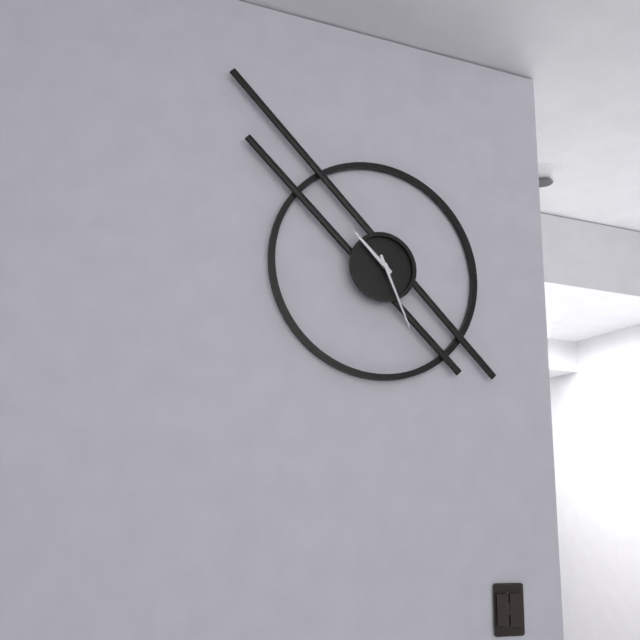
10:26
